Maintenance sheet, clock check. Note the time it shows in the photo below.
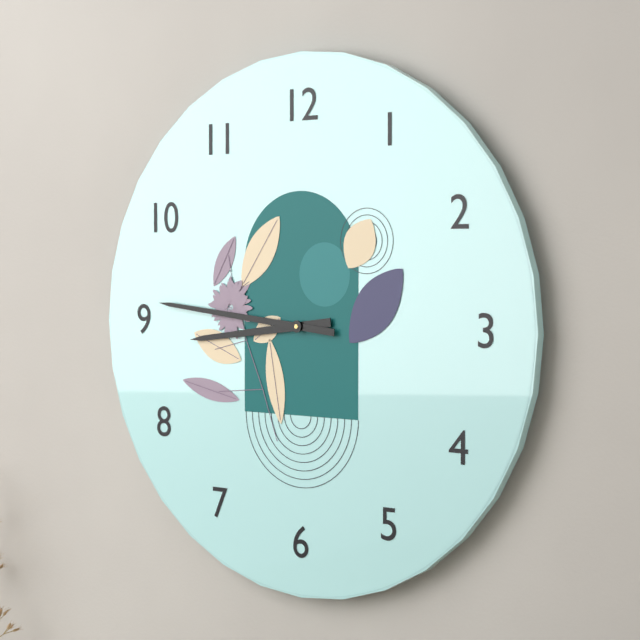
8:46
